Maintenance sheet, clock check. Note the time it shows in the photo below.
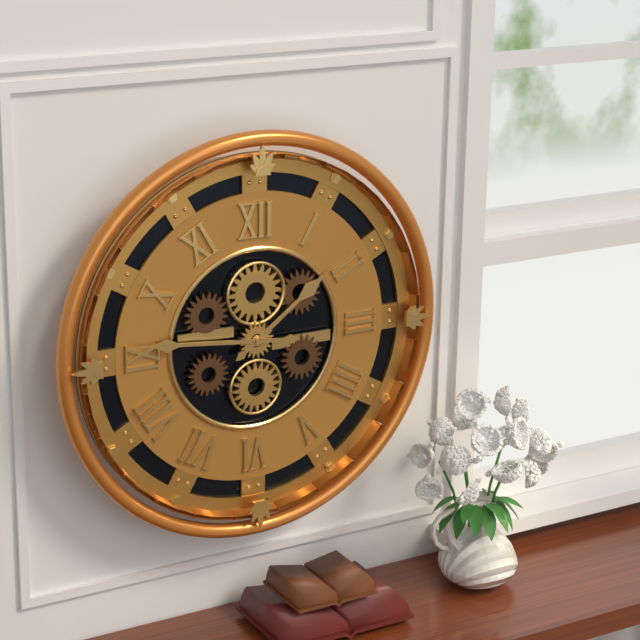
1:46
